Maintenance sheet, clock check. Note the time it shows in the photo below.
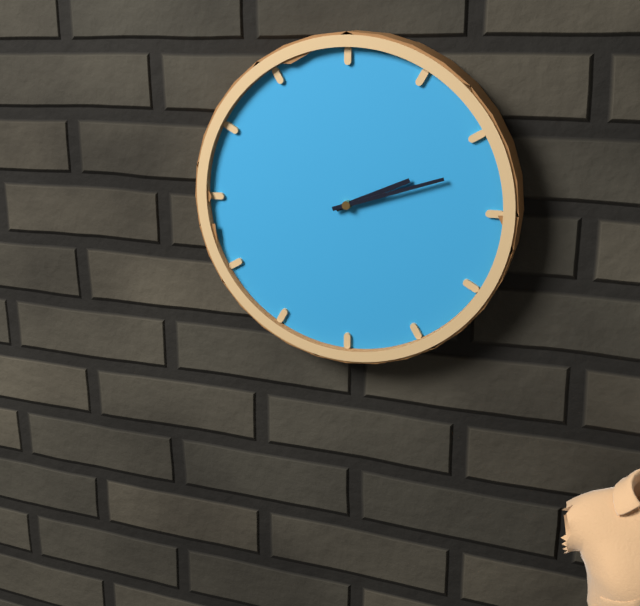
2:12
